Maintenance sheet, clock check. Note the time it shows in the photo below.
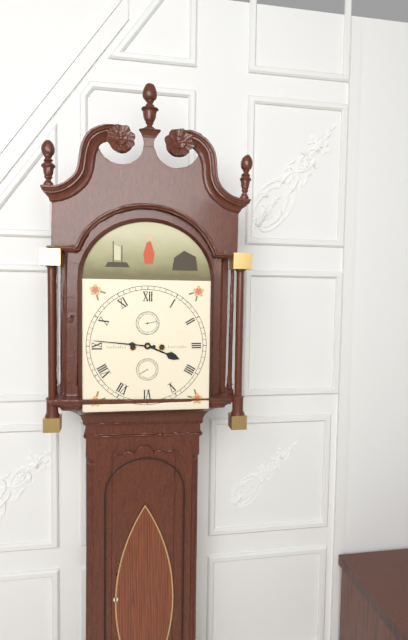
3:46
